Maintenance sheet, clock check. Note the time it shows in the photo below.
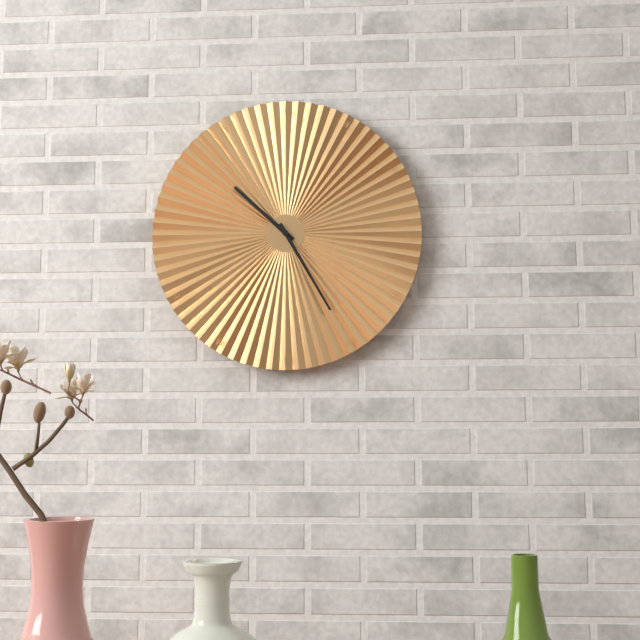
10:25
